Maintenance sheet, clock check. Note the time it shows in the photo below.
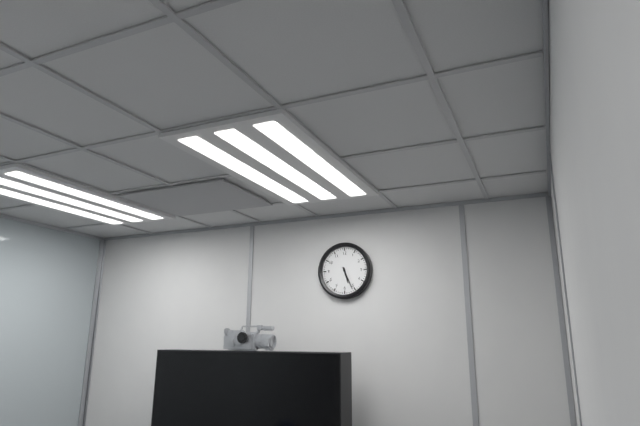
5:26
